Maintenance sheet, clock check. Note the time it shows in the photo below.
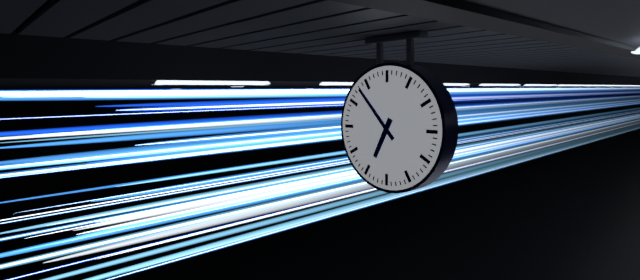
6:53
